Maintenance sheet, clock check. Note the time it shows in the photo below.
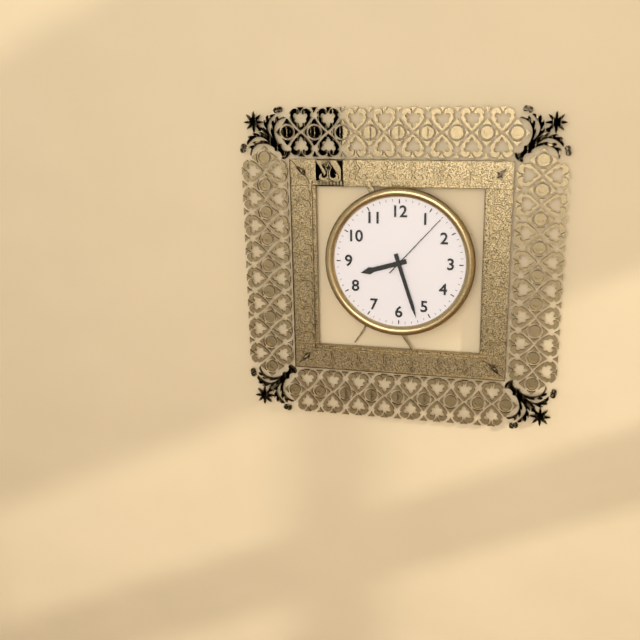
8:27:07
